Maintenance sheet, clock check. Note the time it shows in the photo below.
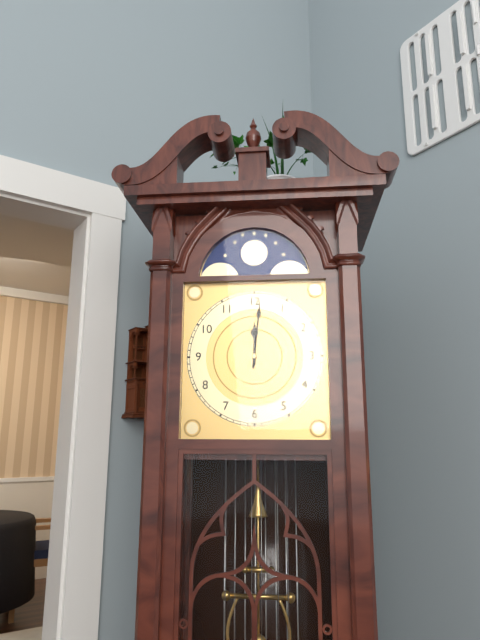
12:01
